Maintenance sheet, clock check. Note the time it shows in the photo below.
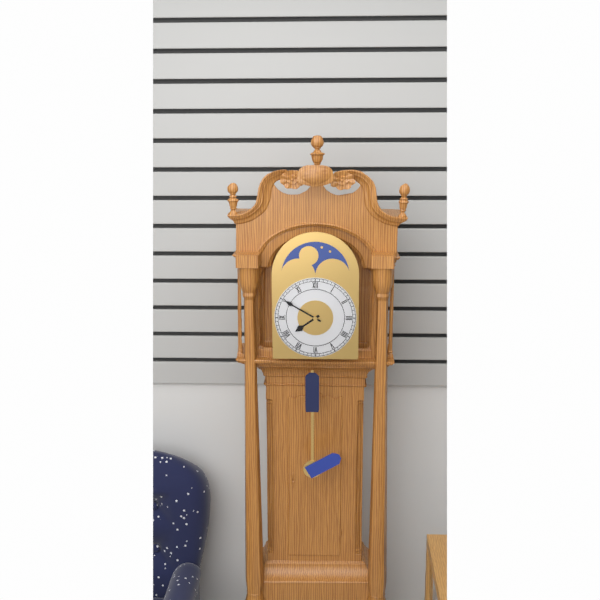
7:50
